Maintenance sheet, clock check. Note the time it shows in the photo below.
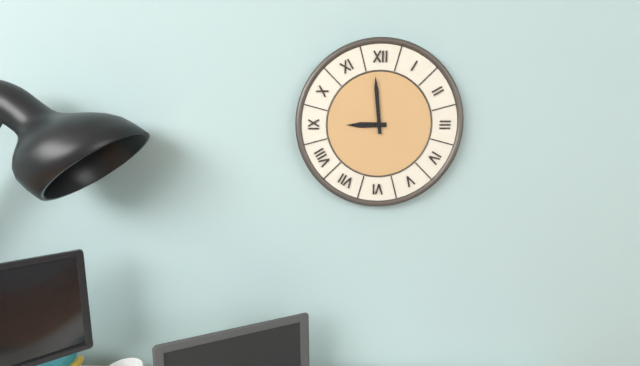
8:59
